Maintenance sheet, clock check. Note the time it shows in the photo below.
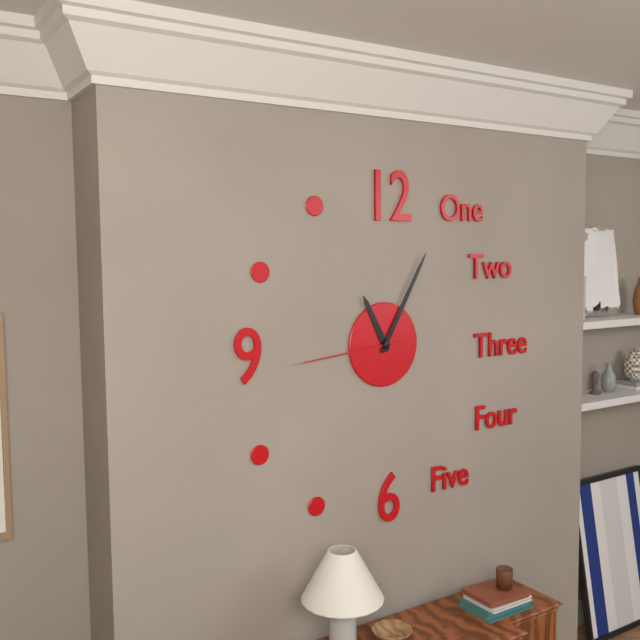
11:05:44
